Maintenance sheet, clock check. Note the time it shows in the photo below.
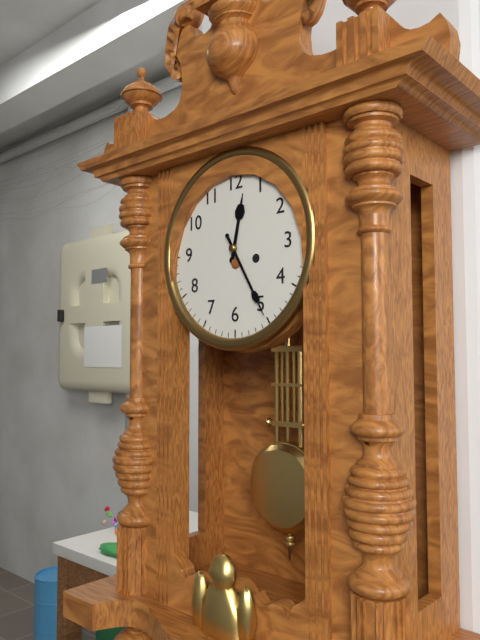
12:25
